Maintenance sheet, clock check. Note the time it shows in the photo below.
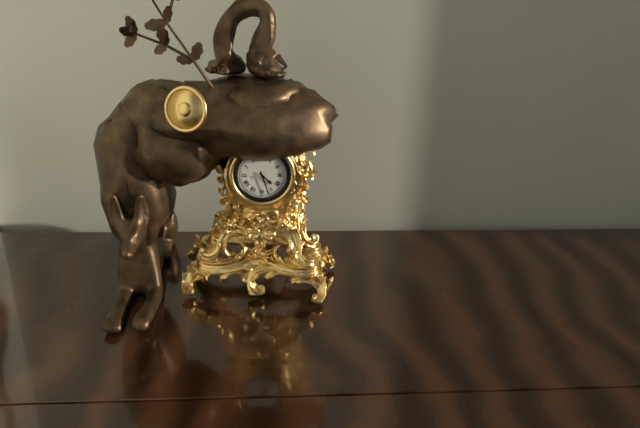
4:27
